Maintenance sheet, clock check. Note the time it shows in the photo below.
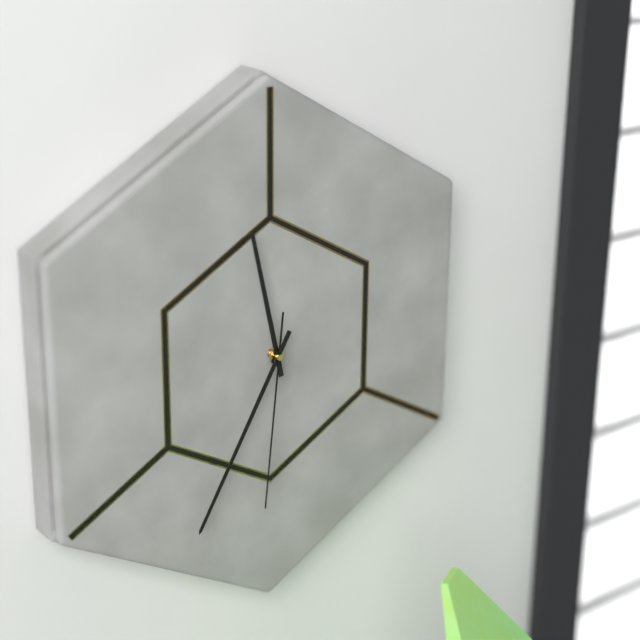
11:35:31
